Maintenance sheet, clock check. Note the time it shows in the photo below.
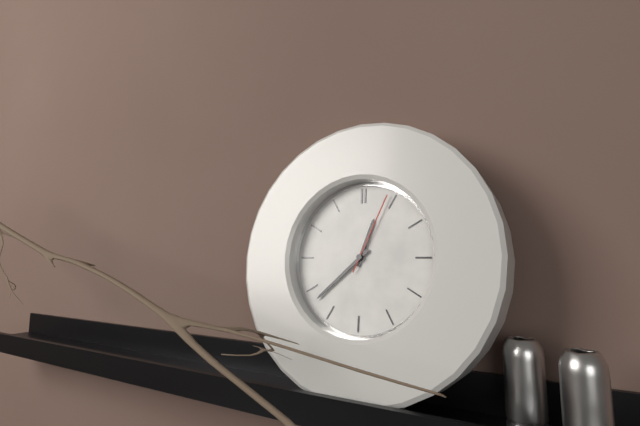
12:38:04
